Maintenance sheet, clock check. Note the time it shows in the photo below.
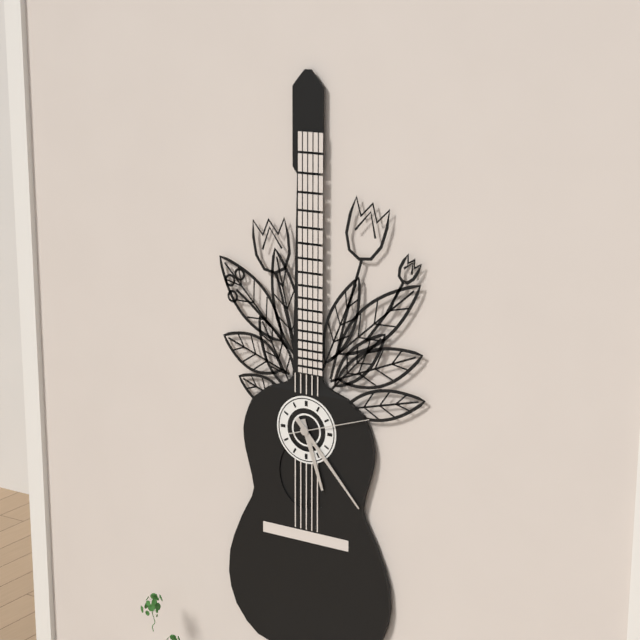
5:23:12
